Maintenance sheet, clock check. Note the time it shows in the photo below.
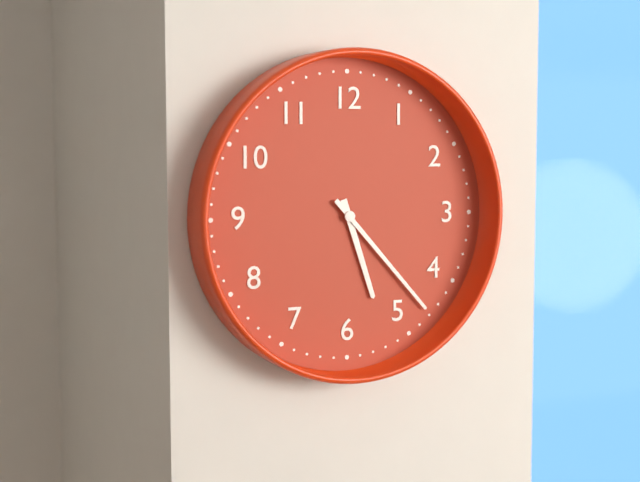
5:23
